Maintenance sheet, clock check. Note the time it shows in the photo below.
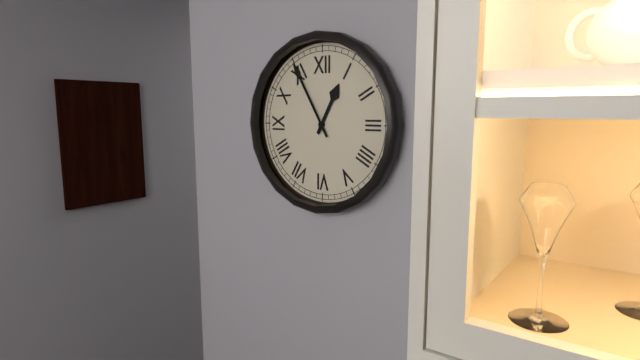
12:55
